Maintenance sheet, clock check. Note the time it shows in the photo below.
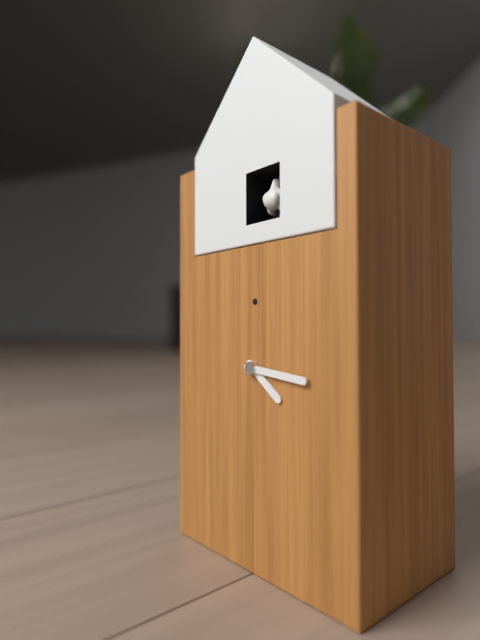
4:16
